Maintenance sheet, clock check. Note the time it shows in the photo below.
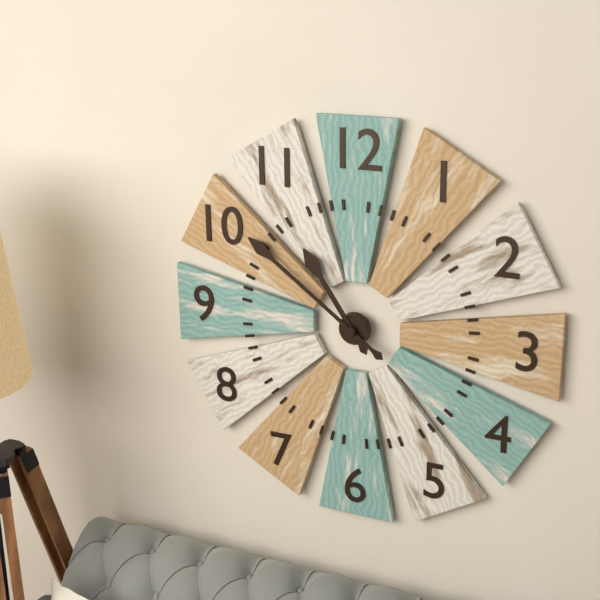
10:51
